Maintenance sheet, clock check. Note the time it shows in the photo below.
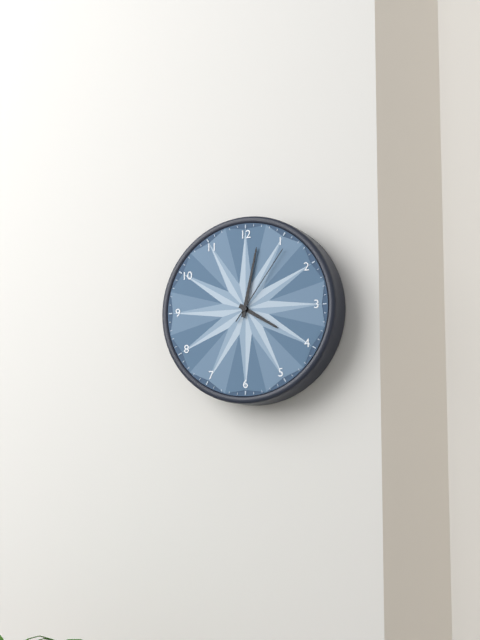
4:02:06
